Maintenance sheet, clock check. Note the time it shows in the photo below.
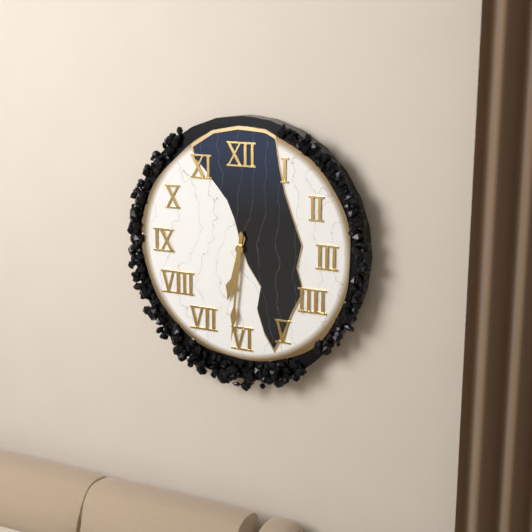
6:31
